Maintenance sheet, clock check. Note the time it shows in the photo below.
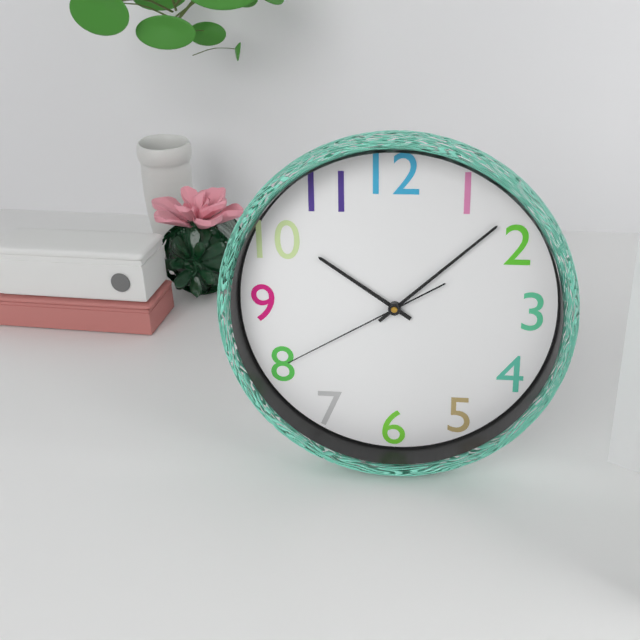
10:08:40
